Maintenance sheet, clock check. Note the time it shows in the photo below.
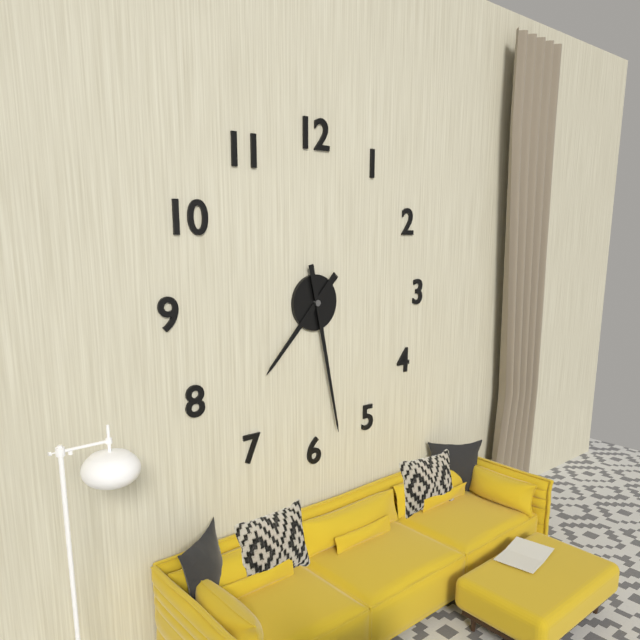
7:28
